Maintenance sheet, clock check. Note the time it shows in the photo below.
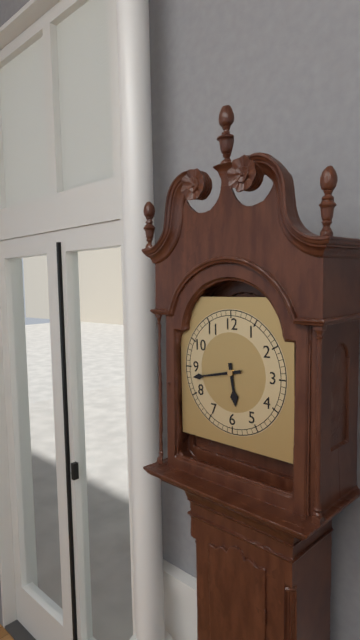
5:43
